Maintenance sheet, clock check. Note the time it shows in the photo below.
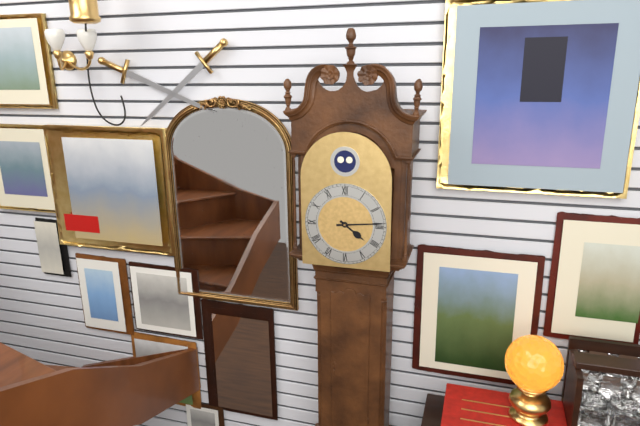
4:14
